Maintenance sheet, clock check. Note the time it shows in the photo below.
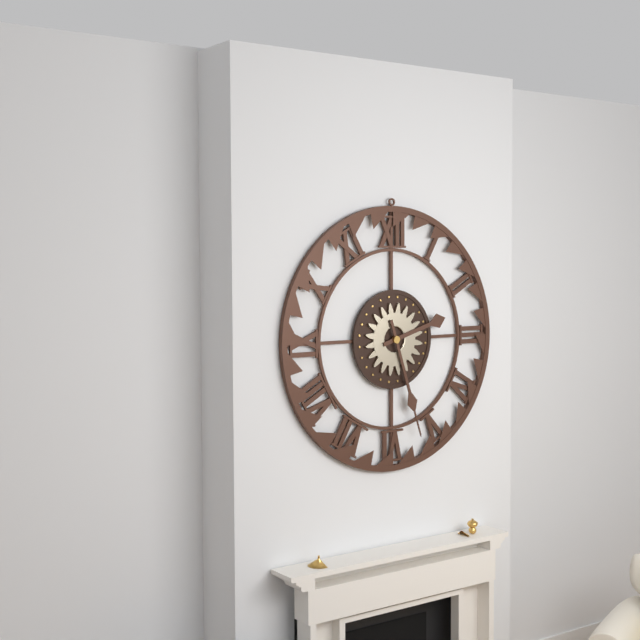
2:27
